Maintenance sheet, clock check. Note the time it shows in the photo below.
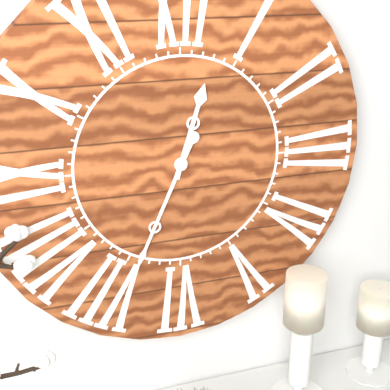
12:34
